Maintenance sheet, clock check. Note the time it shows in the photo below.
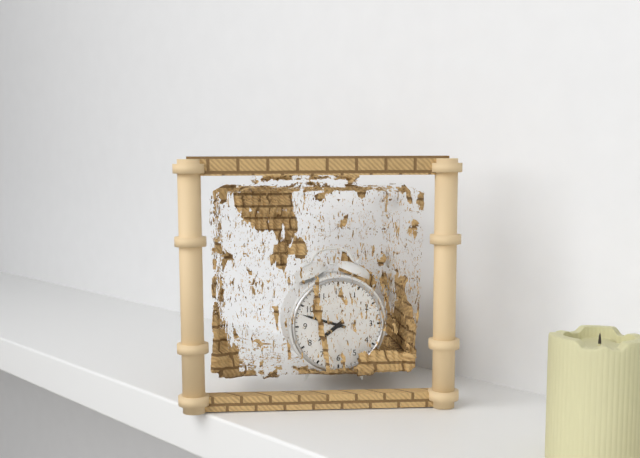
7:48
